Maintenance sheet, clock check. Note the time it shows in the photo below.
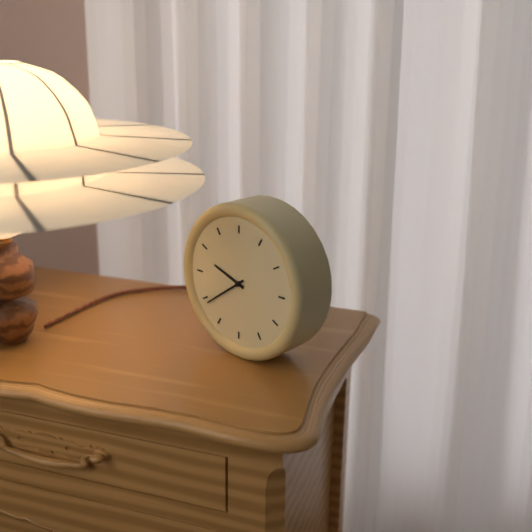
9:39
